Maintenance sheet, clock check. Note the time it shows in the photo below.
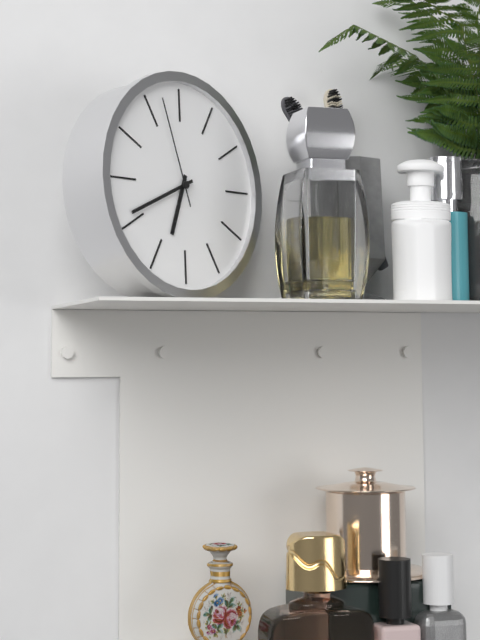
6:41:57
